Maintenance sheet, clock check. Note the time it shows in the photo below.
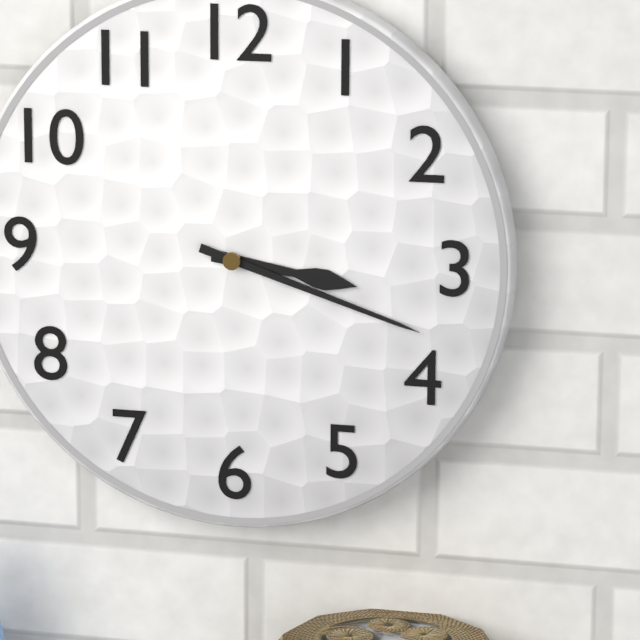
3:18
